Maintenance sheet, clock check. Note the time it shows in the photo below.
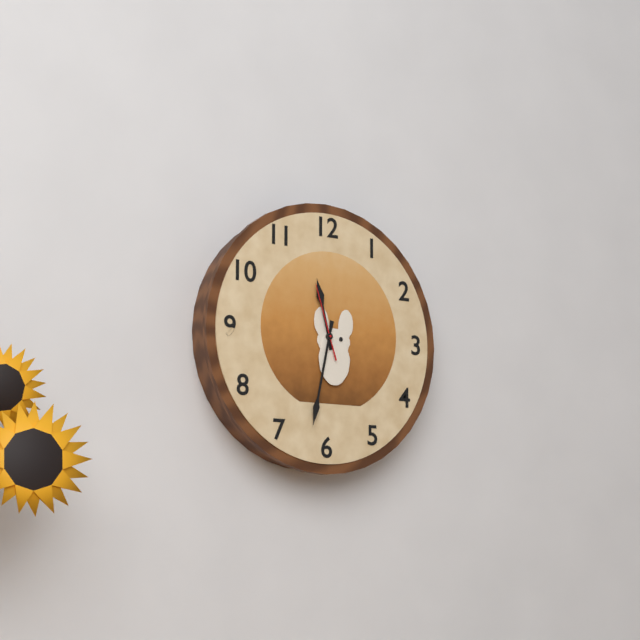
11:32:57
